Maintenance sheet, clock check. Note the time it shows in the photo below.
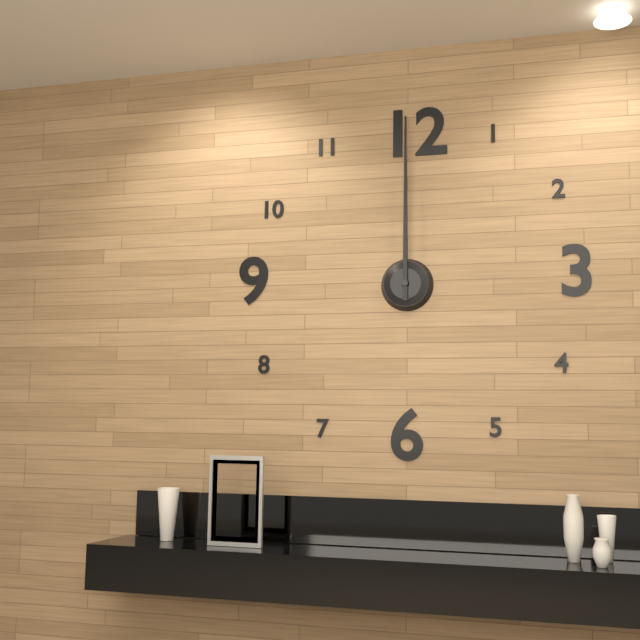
12:00
